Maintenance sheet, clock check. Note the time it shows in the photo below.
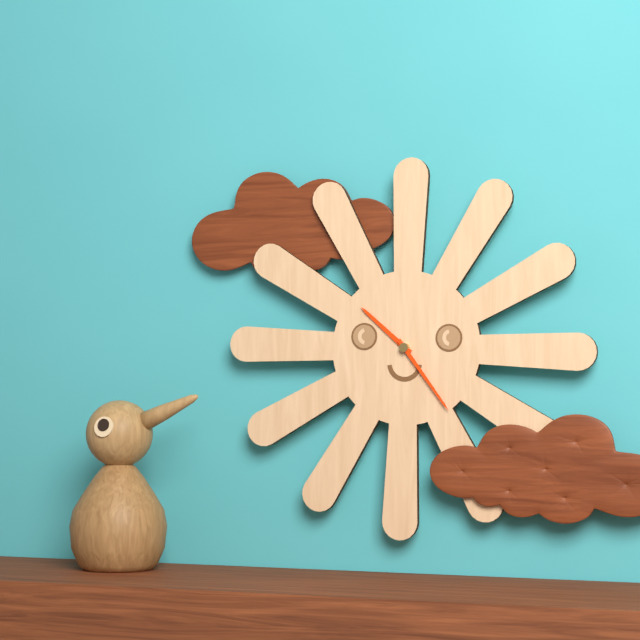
10:24
